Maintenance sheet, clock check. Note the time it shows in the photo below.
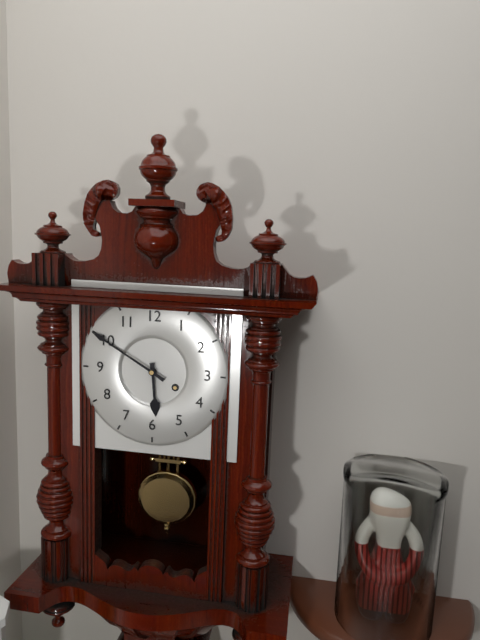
5:50
